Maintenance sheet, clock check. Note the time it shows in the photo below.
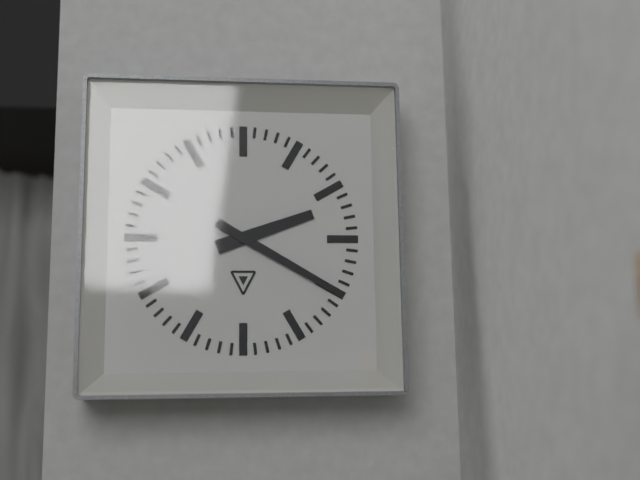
2:20
